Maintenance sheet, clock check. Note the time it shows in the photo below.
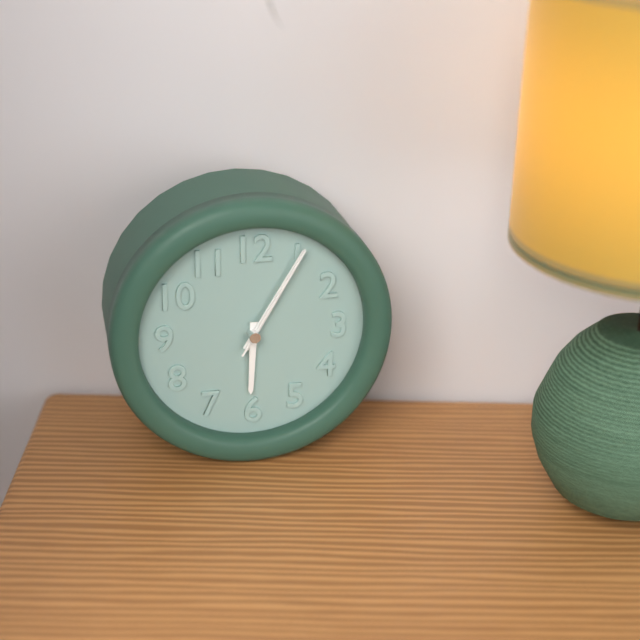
6:05:05
